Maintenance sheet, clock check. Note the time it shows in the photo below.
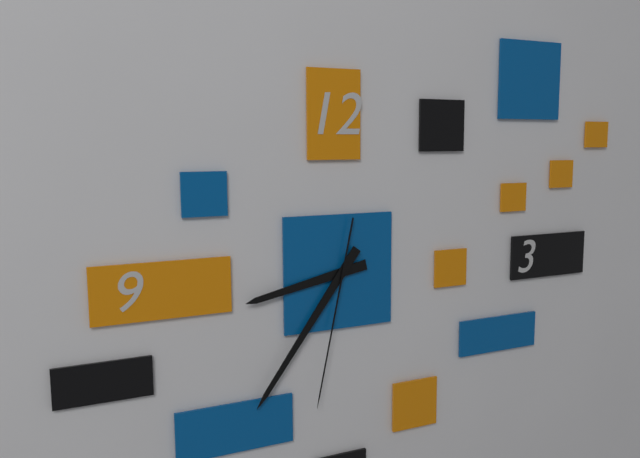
8:36:32
